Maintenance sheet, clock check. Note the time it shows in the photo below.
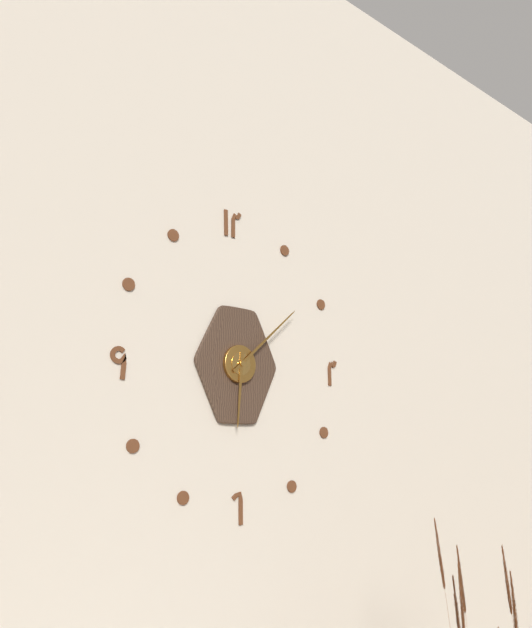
6:08
